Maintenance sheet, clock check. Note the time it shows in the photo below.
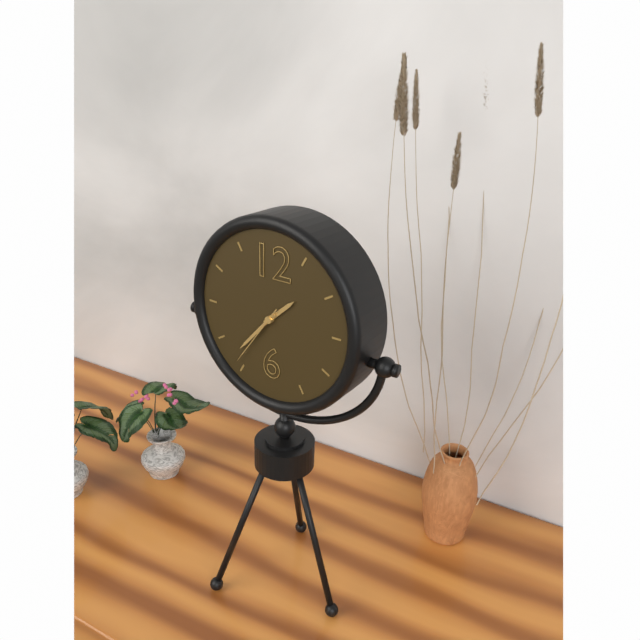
1:37:36
